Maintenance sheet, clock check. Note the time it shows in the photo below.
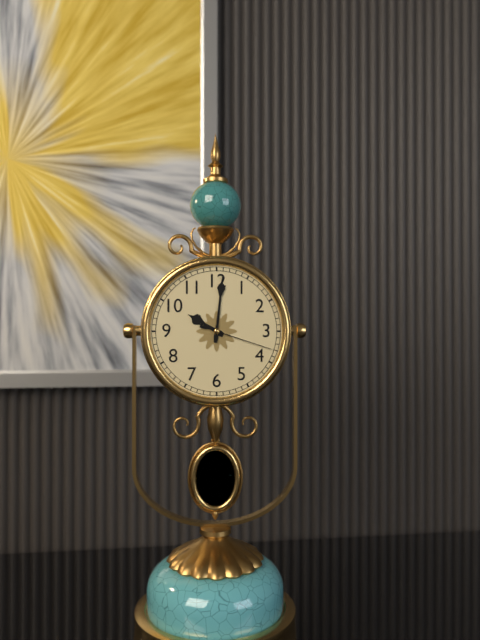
10:01:18
